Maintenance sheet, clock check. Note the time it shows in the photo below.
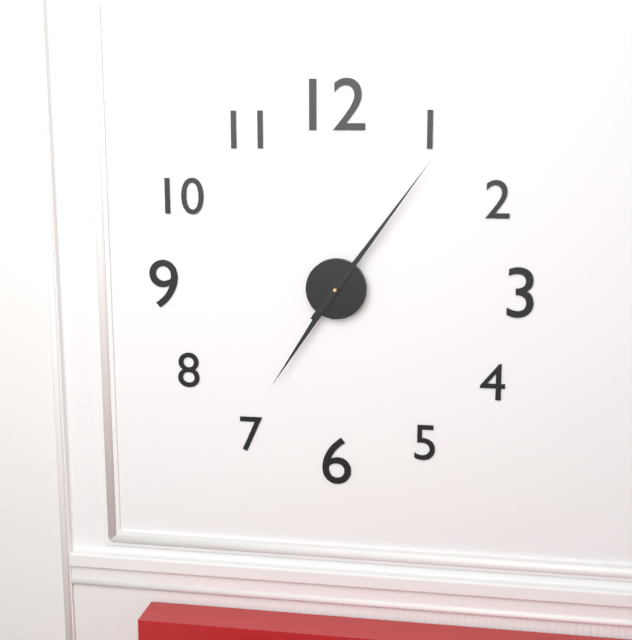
7:06
